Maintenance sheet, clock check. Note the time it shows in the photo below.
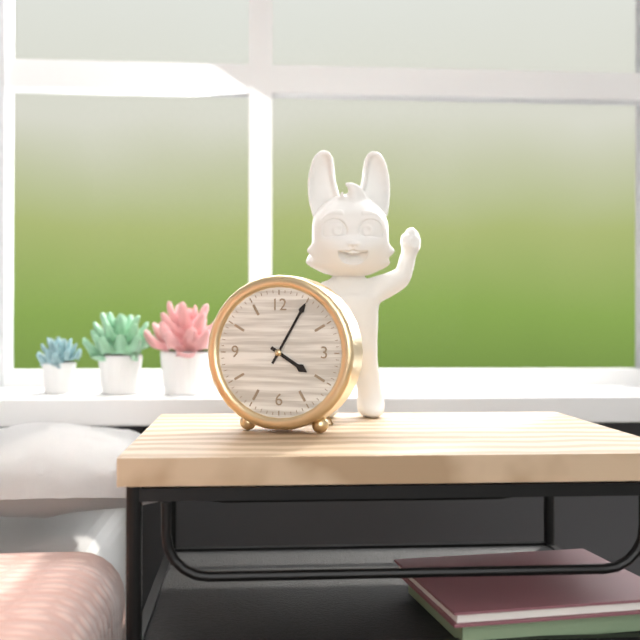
4:05
